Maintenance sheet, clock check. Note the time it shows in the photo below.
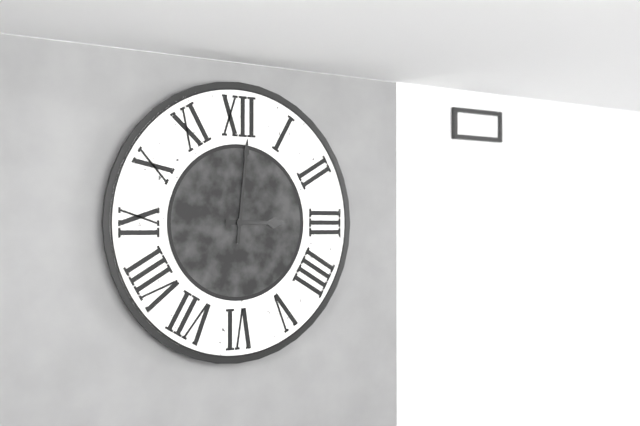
3:01
